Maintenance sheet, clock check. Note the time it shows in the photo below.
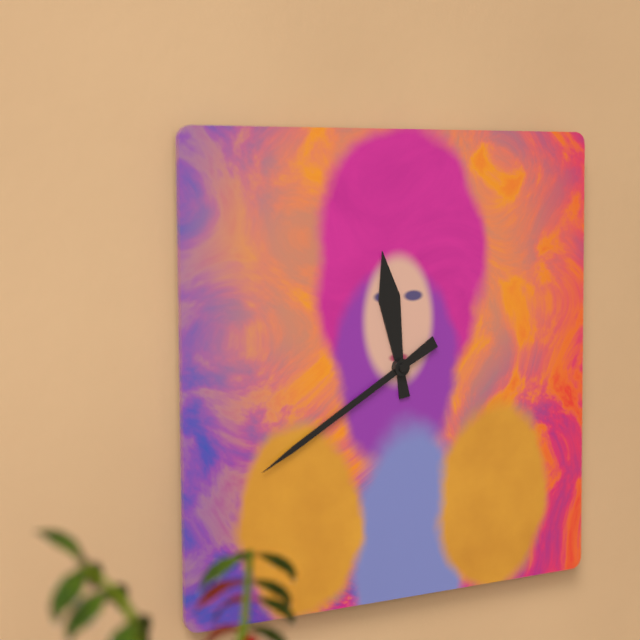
11:40
